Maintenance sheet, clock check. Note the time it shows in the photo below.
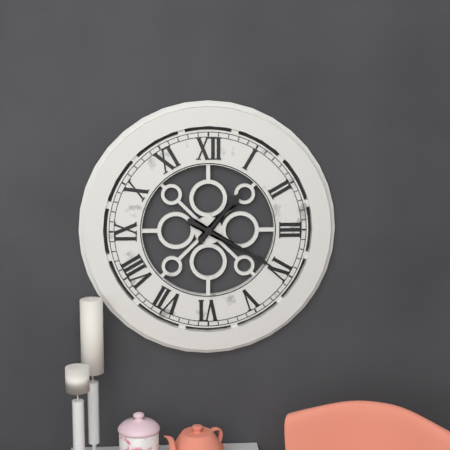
1:20
